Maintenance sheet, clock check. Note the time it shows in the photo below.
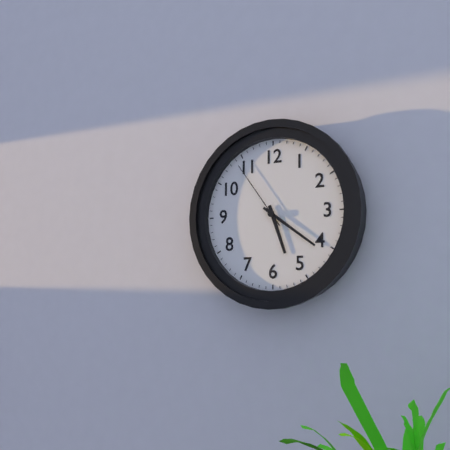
5:21:54
